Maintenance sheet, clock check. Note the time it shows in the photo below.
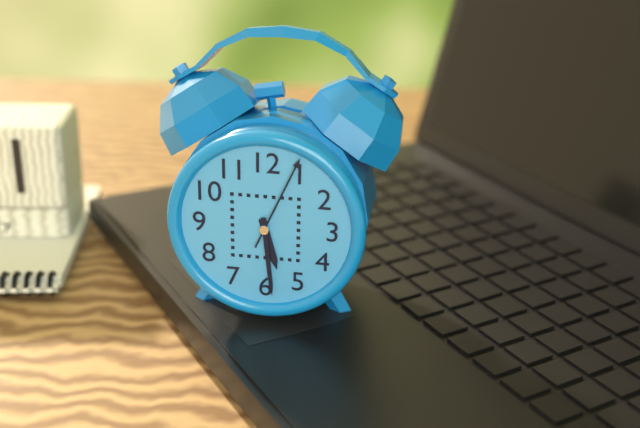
5:29:04
